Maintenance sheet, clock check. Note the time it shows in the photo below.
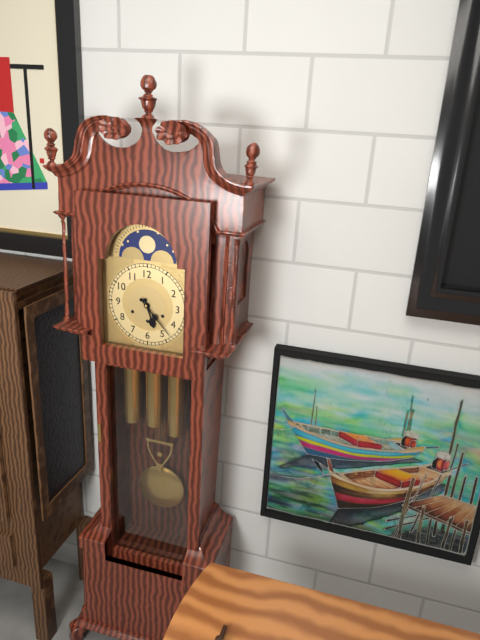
5:23
